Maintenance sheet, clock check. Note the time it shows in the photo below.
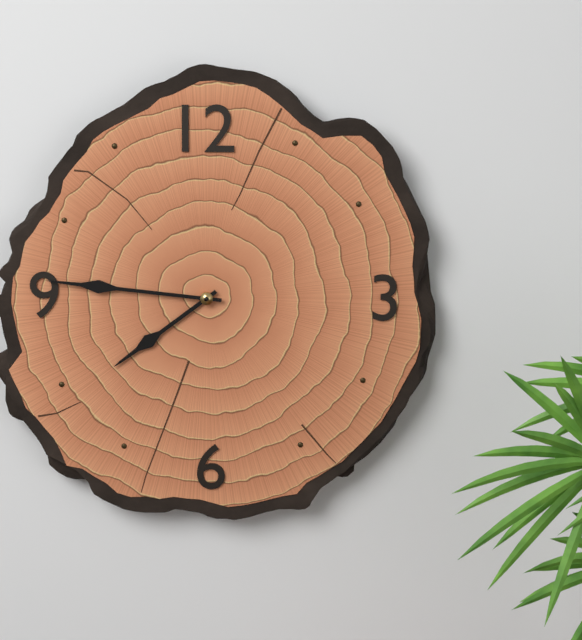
7:46
